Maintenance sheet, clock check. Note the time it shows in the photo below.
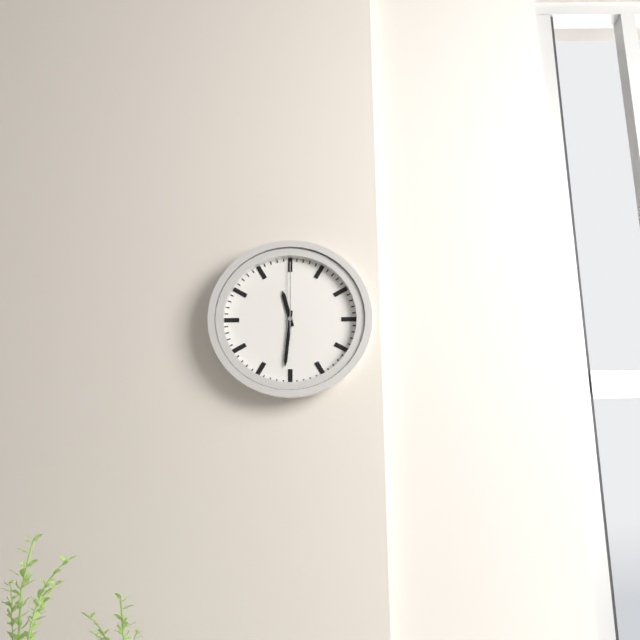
11:31:00
